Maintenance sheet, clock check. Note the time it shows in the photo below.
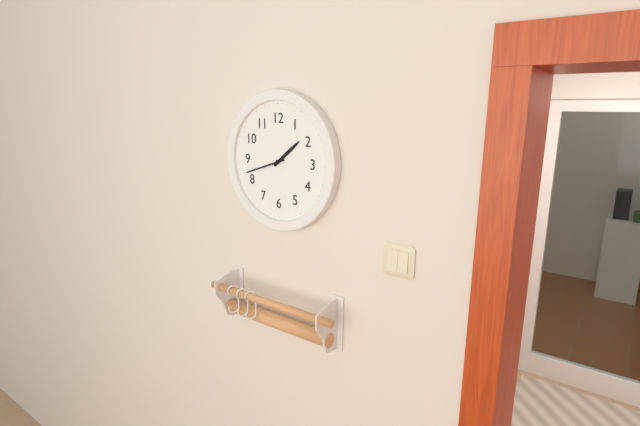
1:42
